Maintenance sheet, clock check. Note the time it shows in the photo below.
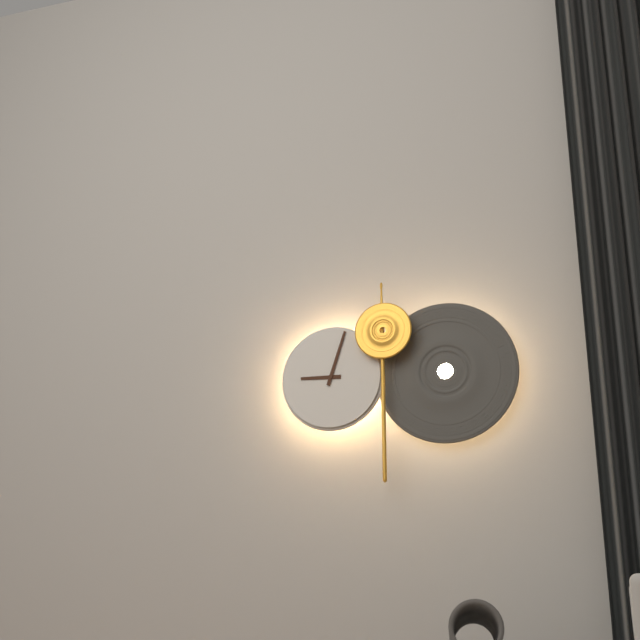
9:03
